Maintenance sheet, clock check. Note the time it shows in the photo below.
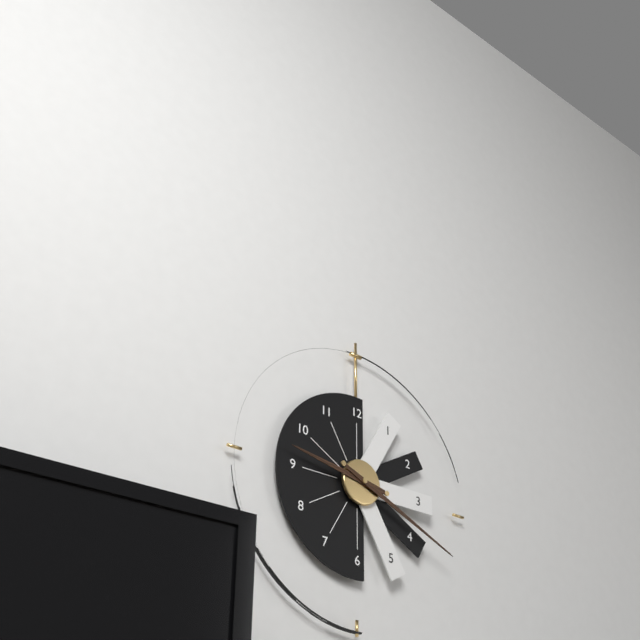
9:19
